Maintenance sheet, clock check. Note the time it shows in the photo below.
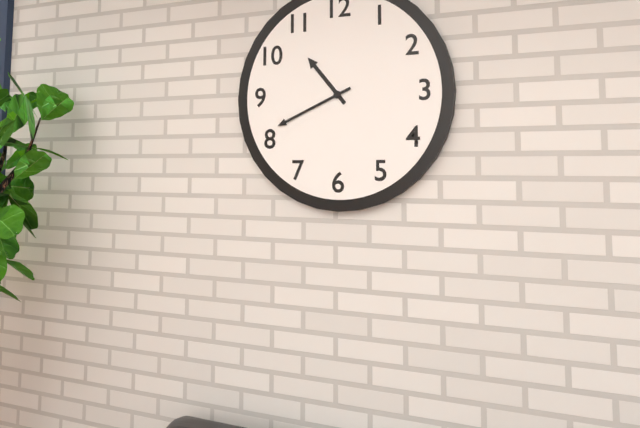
10:41
